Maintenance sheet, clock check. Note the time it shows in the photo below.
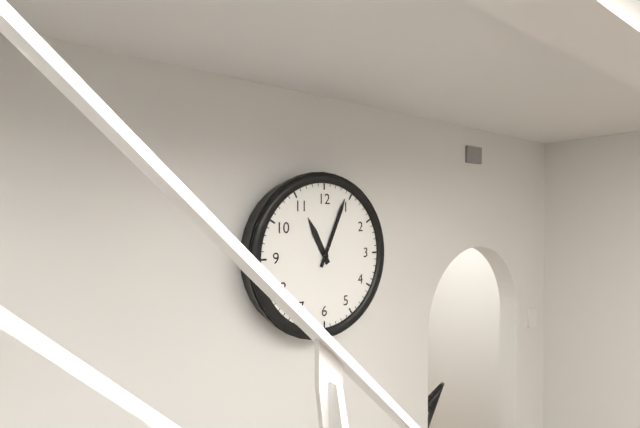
11:04
